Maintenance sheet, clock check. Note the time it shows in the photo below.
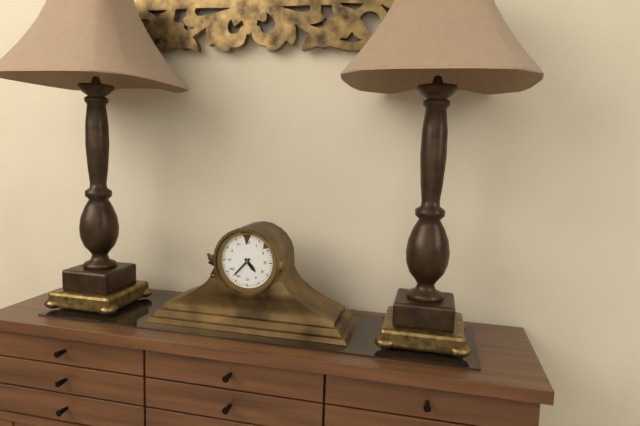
4:37
